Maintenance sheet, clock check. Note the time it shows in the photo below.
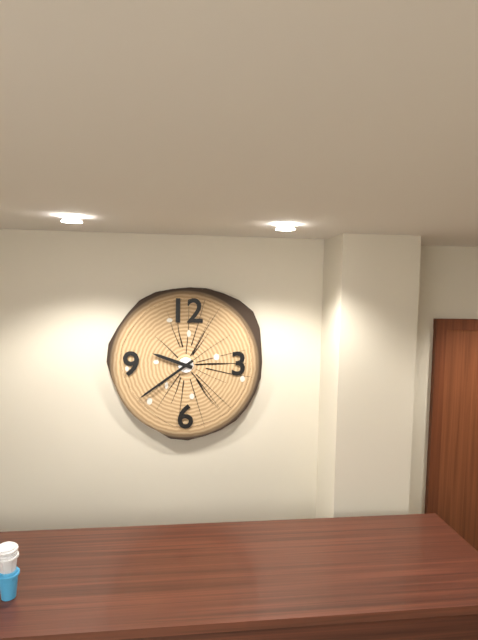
9:39
